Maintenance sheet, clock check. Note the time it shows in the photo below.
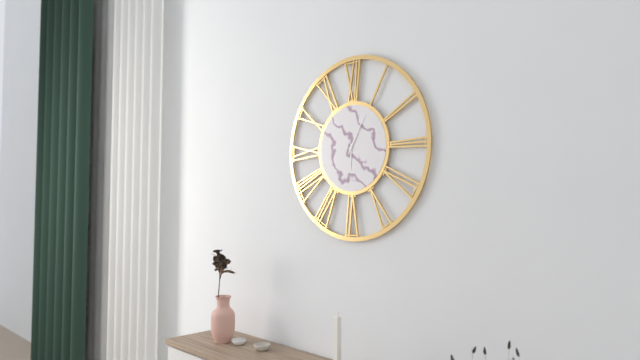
6:05
